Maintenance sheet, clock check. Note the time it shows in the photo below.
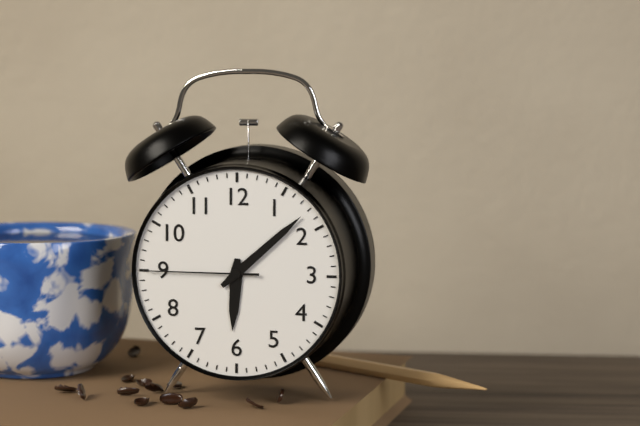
6:08:45
